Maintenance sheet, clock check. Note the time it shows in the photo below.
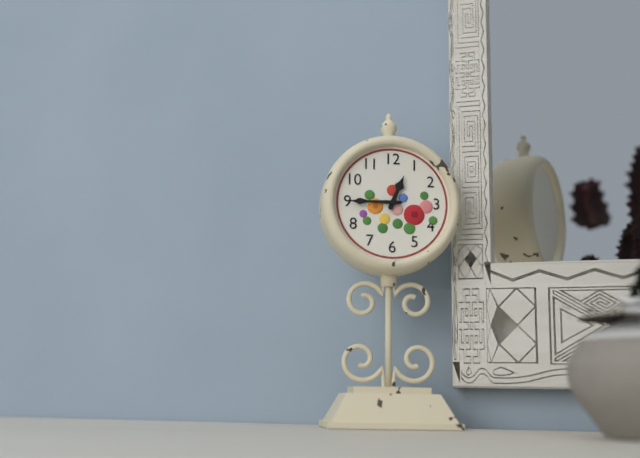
12:45
